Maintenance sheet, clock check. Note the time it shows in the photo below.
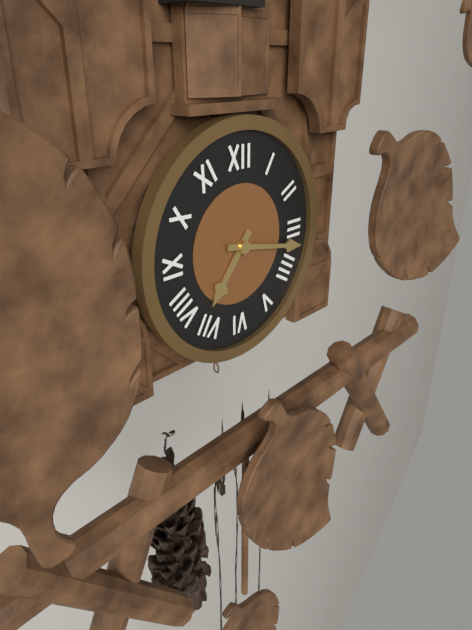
7:17
